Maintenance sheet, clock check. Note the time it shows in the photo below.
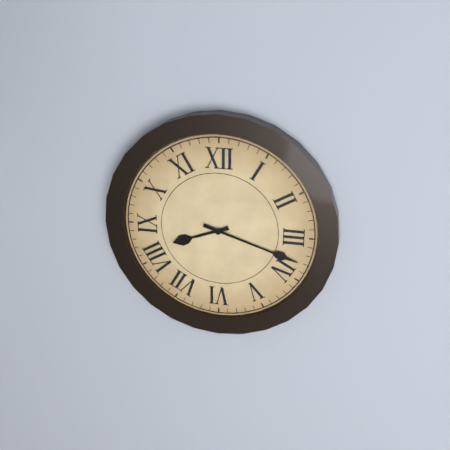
8:18
